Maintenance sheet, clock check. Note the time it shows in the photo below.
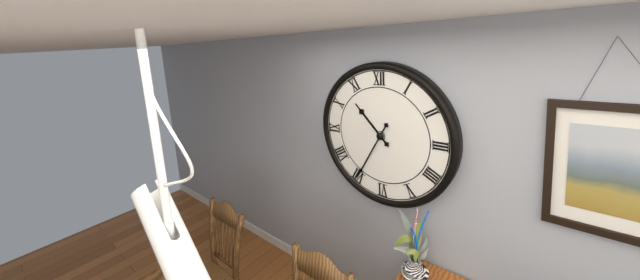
10:35
